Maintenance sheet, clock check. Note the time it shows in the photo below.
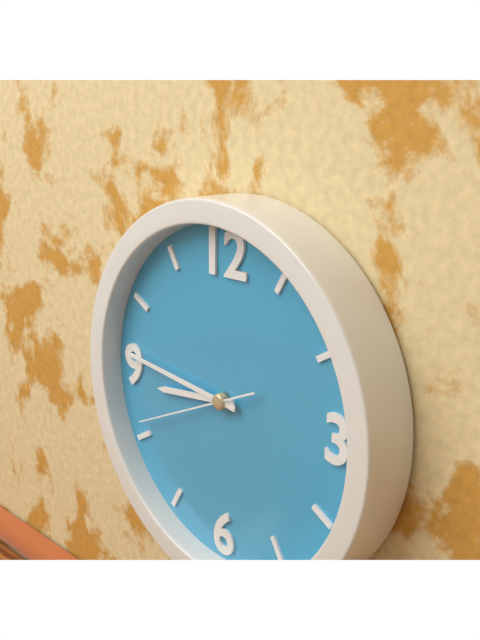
8:46:41
